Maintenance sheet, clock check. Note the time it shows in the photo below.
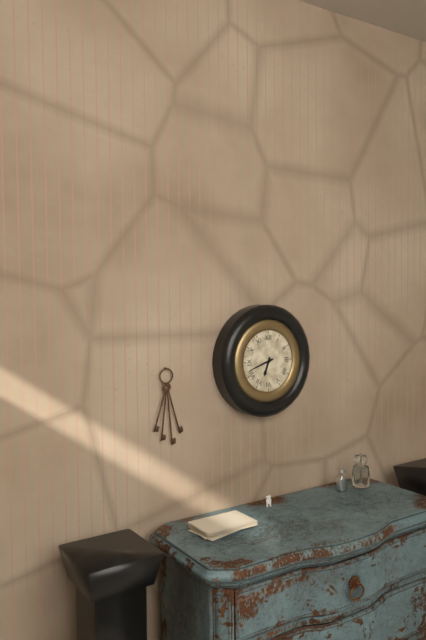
6:42
